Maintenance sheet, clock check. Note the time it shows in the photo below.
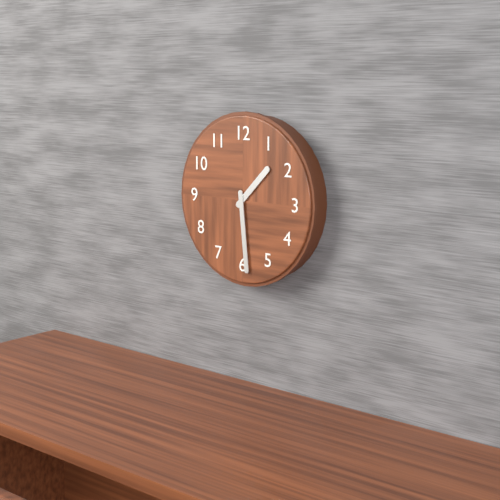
1:29
